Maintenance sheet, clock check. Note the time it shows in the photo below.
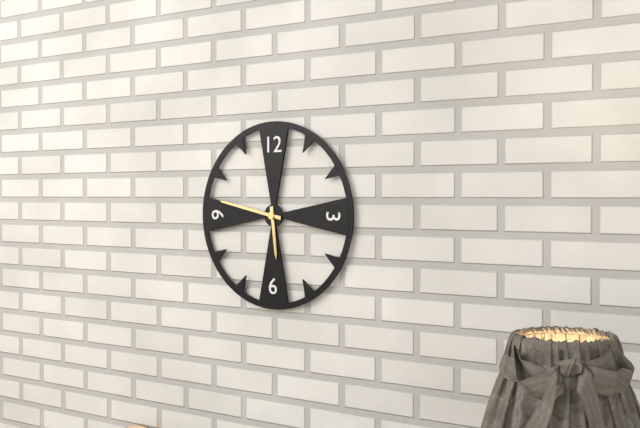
5:47
